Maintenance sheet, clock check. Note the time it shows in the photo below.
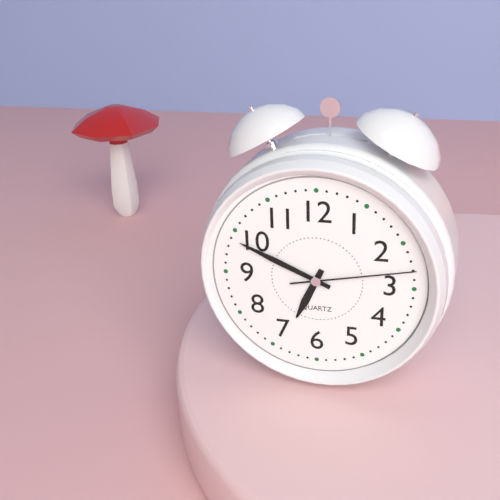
6:49:13
